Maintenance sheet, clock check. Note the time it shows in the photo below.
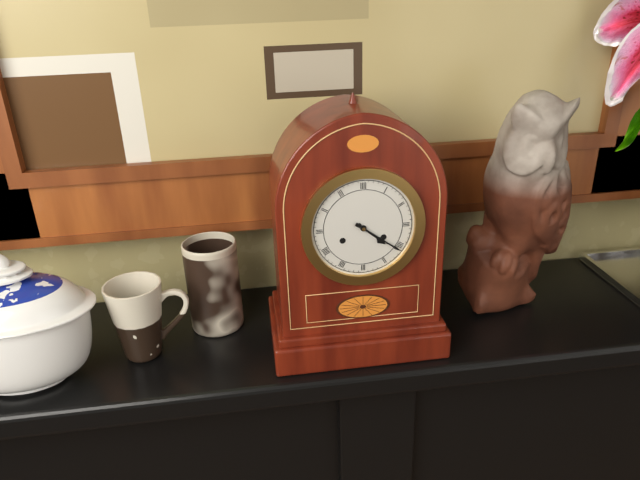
4:21
